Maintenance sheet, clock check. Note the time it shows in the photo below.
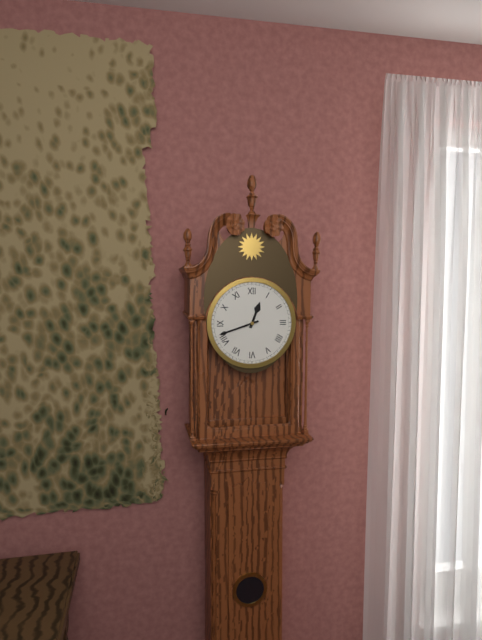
12:42
